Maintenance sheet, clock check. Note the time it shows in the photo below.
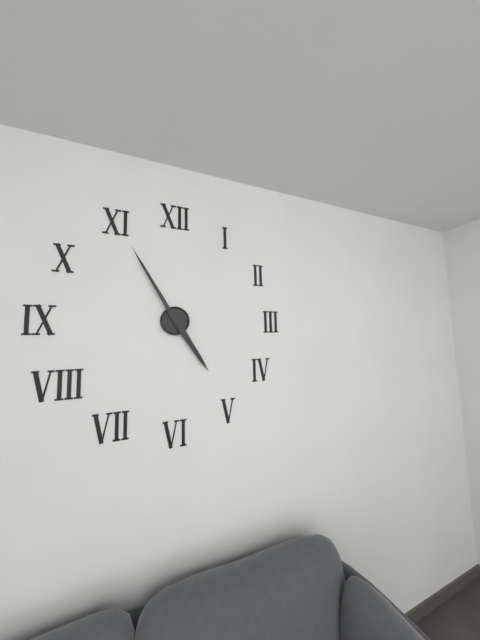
4:55
